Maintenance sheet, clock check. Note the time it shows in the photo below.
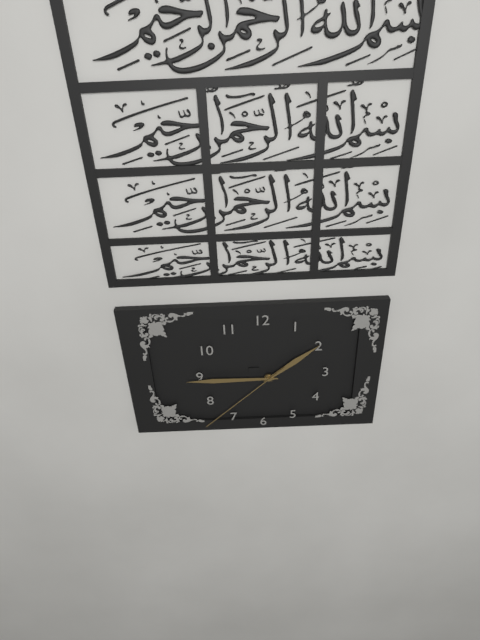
1:45:38
